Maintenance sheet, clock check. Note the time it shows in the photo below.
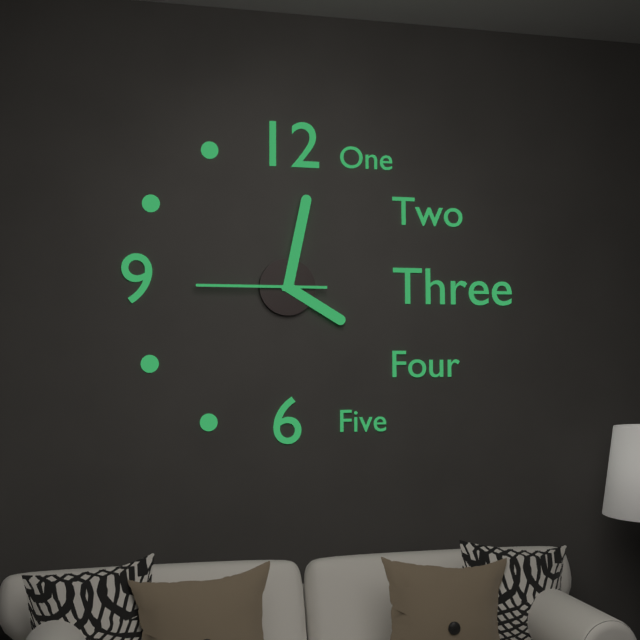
4:02:45
